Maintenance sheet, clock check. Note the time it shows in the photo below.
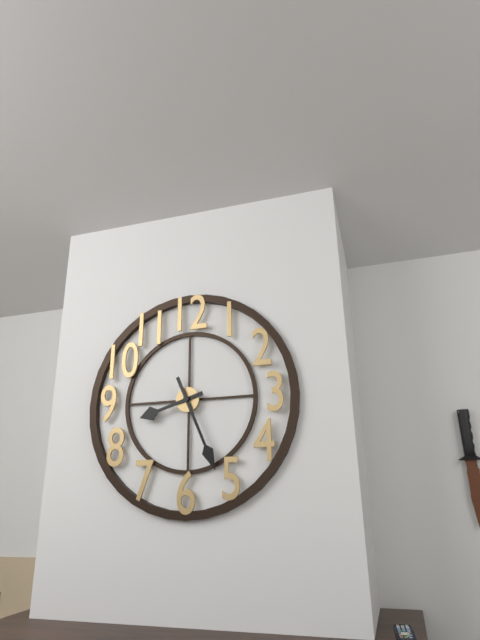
8:26
